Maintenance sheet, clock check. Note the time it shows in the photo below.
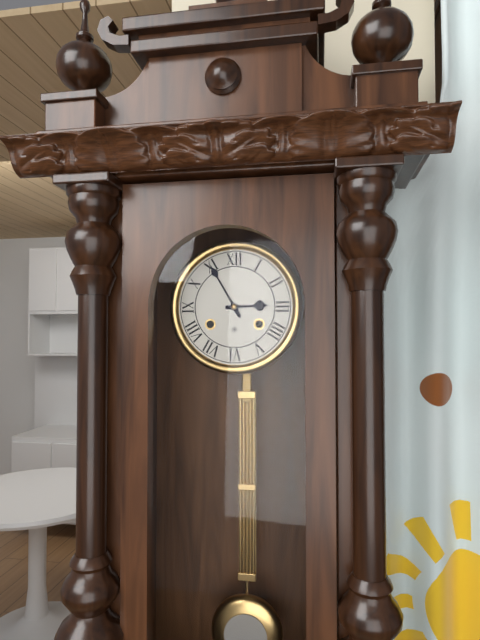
2:55
